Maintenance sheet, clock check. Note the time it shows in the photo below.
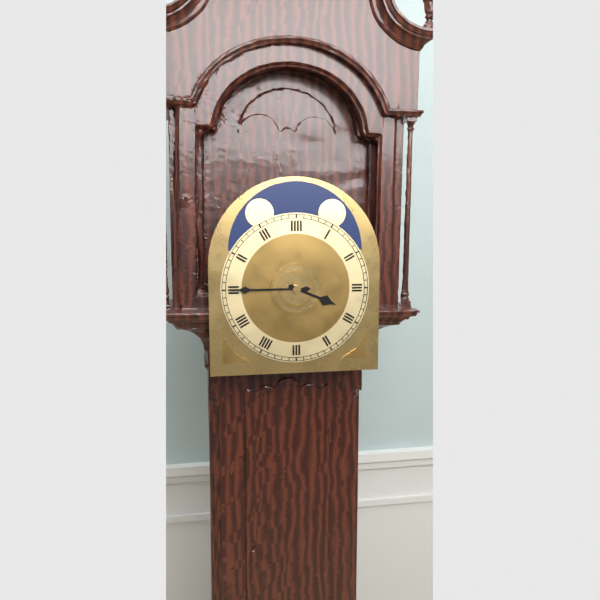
3:45
